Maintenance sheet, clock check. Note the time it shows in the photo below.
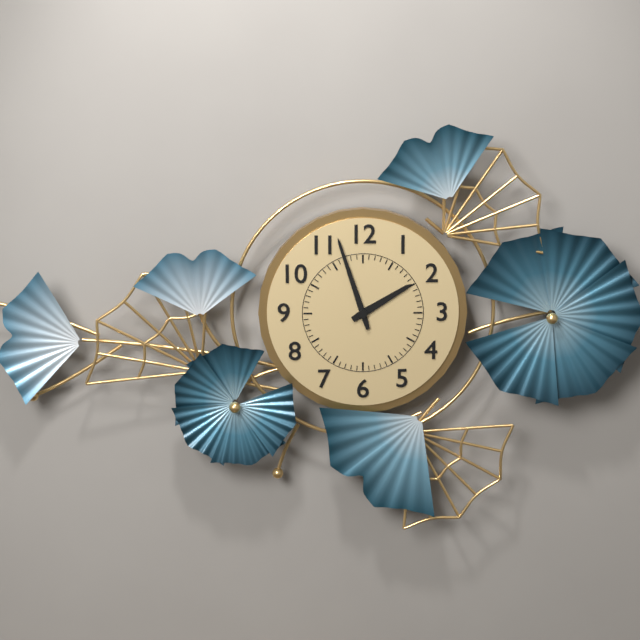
1:57
